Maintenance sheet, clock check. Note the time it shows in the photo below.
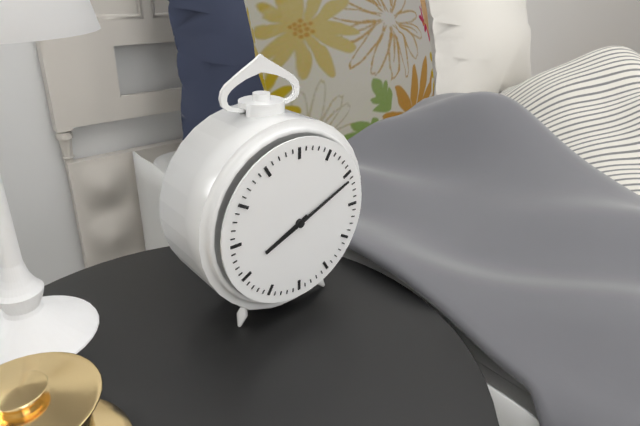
8:11
